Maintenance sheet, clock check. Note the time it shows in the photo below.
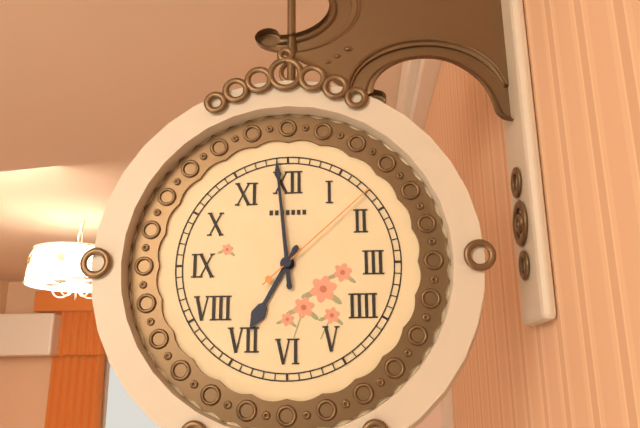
6:59:08
